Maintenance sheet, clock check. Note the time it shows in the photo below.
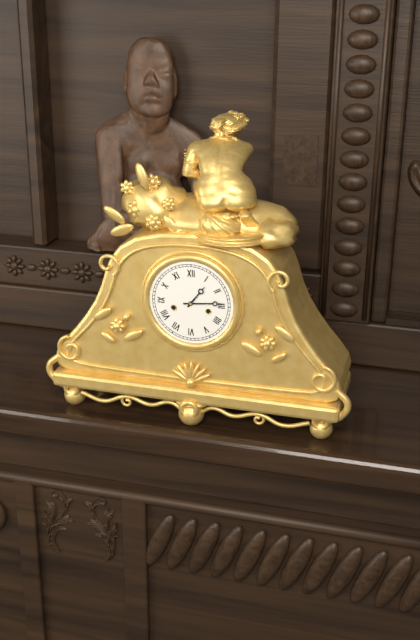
1:14
